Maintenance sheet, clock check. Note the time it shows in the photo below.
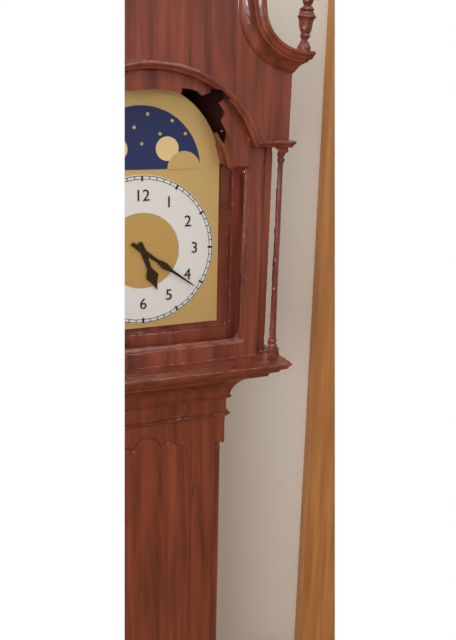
5:21
